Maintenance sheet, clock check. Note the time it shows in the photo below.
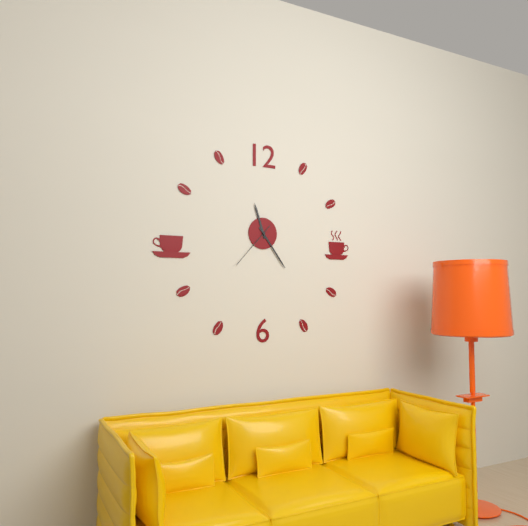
11:24:37
